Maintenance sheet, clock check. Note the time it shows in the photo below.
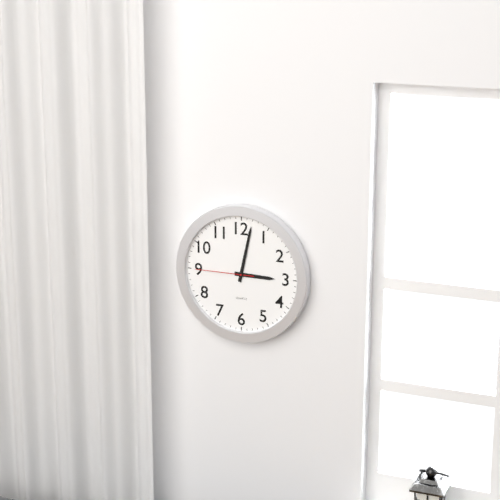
3:02:45
